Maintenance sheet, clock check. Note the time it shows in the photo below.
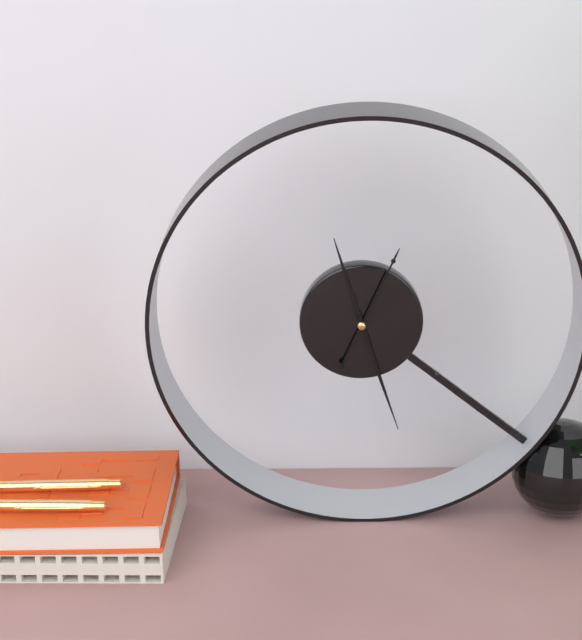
11:27:04
